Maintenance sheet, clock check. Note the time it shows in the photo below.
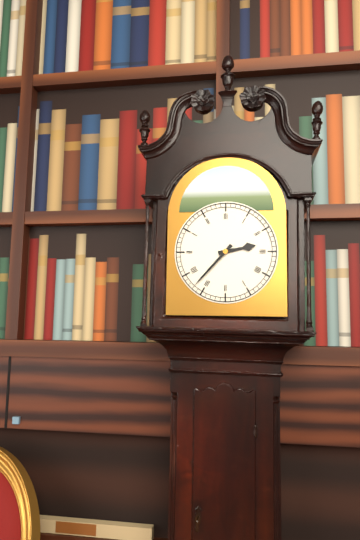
2:37
